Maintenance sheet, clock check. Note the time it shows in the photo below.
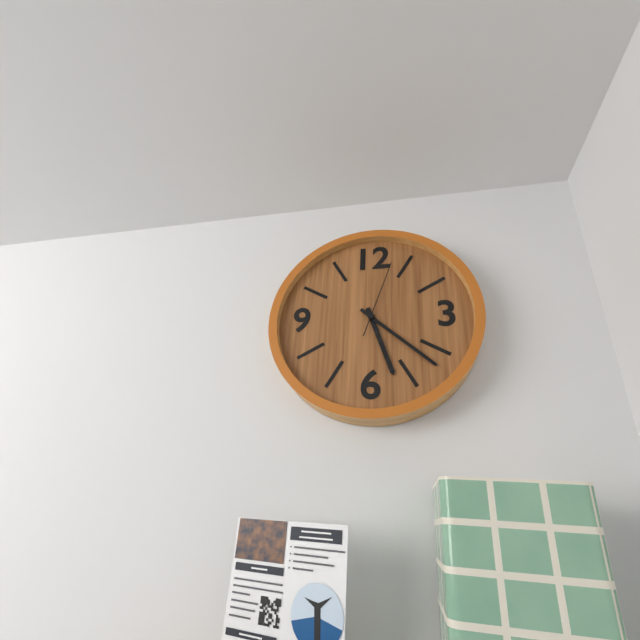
5:22:03
